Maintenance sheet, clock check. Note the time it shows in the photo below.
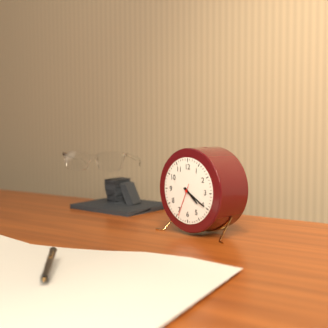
4:20
